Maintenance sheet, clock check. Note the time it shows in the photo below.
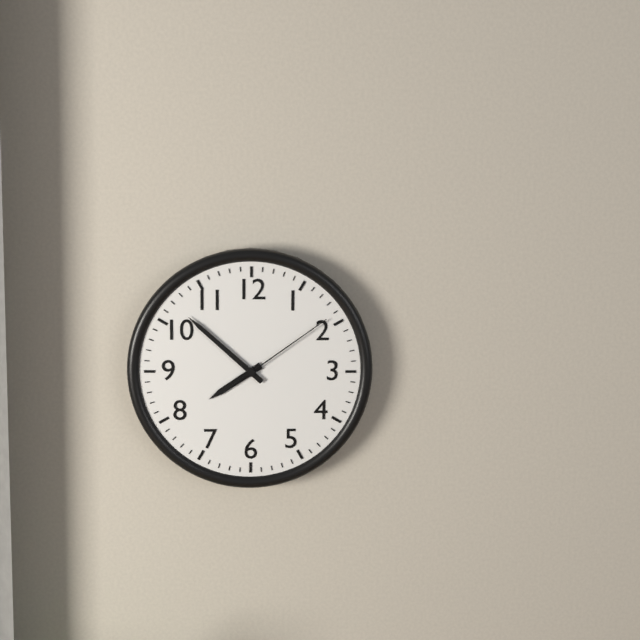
7:52:09
